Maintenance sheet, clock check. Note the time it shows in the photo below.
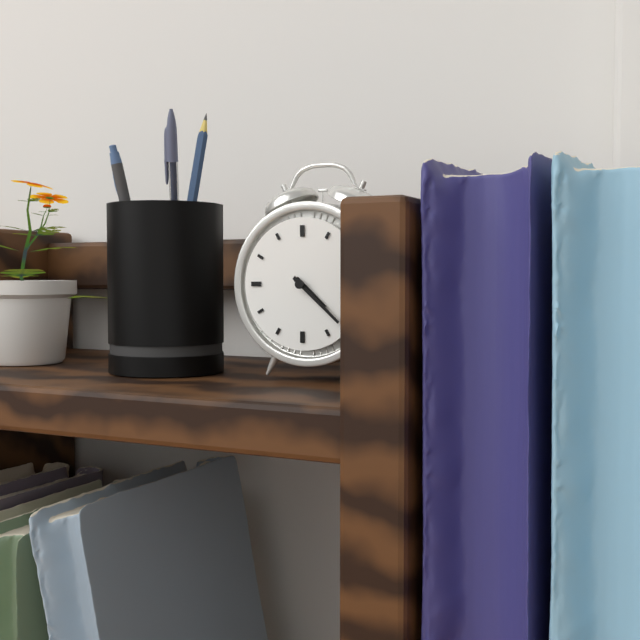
4:22
